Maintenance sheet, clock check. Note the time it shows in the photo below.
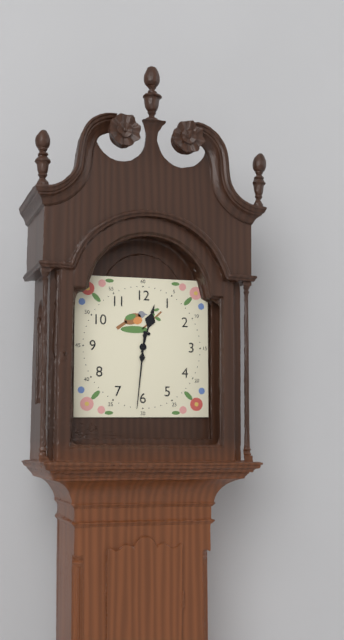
12:31
